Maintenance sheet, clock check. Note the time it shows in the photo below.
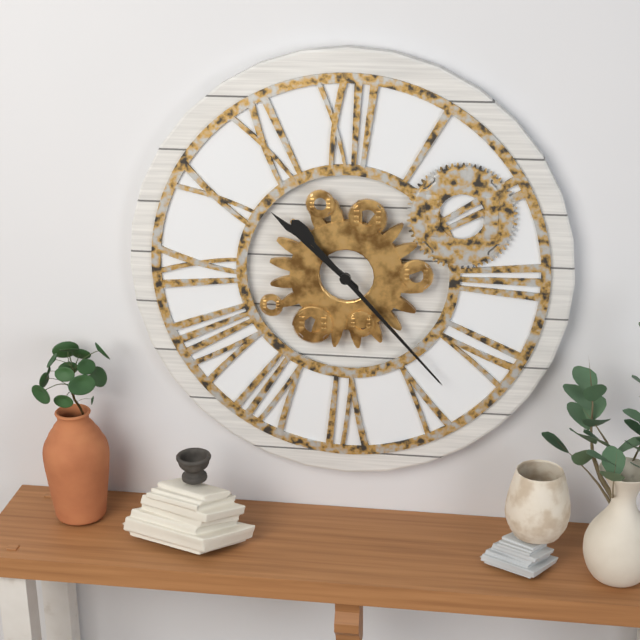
10:23
